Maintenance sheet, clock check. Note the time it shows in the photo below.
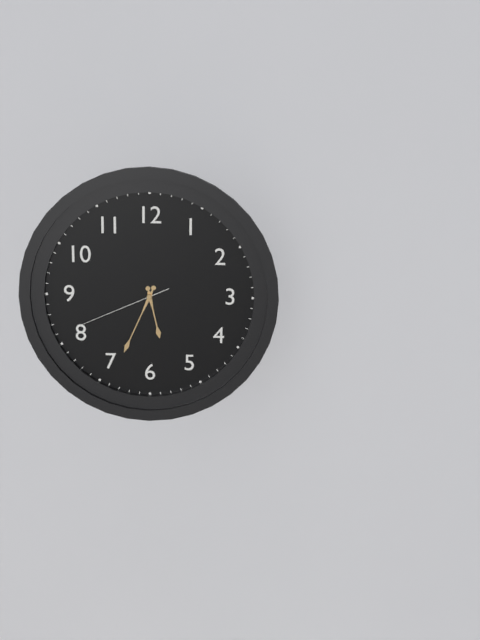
5:34:41
